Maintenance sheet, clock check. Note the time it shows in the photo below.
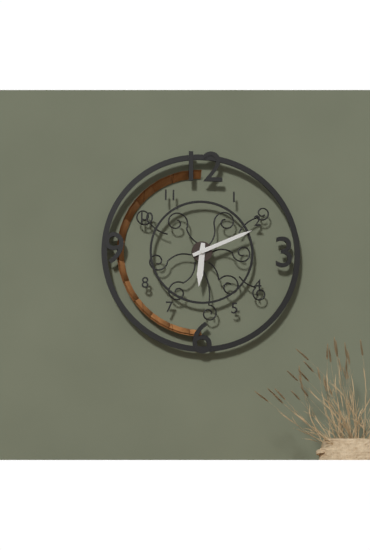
6:11
